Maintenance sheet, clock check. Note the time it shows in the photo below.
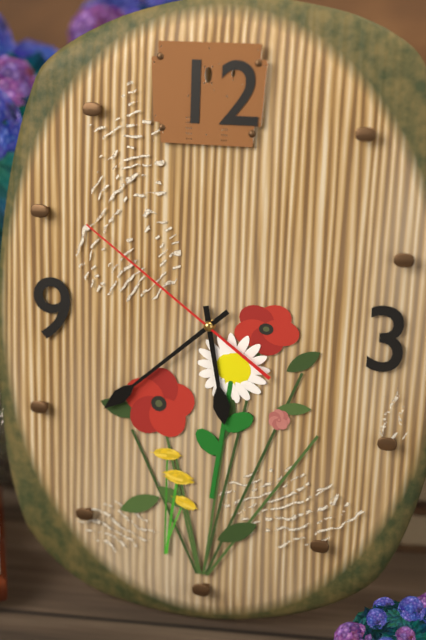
5:38:51
